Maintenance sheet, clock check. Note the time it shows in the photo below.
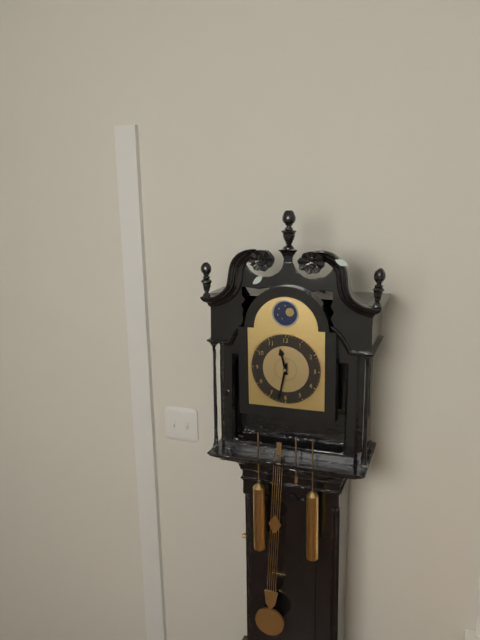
11:32
